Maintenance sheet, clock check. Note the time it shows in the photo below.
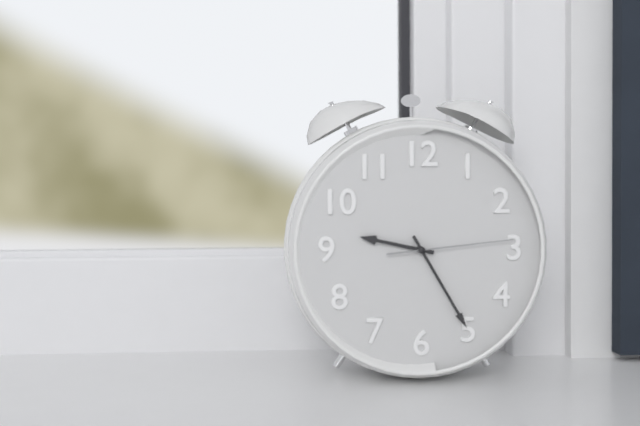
9:25:14
